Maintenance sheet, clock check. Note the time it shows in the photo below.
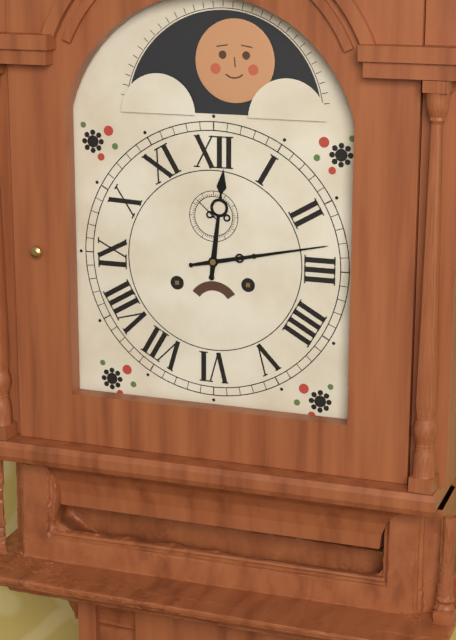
12:13
